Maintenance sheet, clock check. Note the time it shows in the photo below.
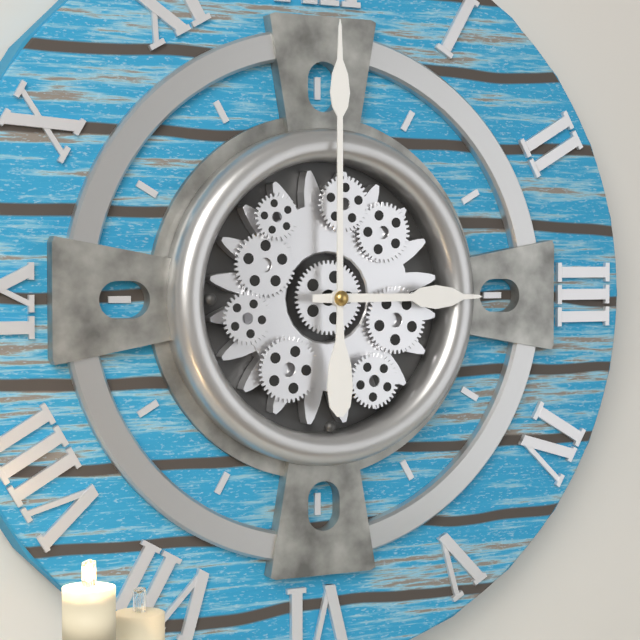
3:00
